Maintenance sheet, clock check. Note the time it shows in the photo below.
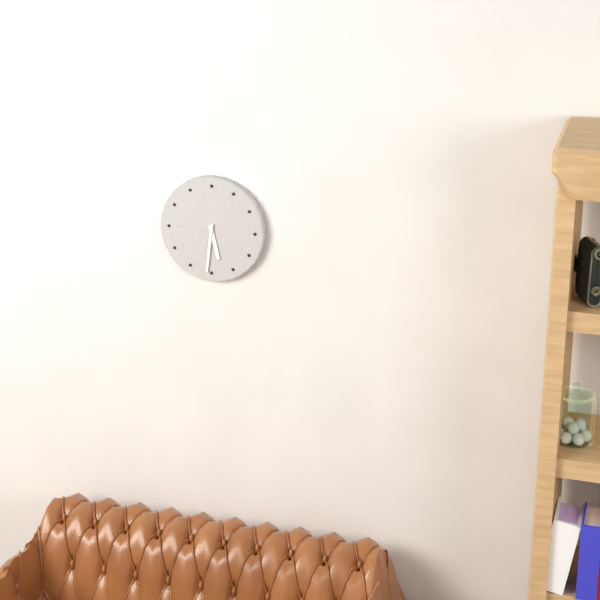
5:31
